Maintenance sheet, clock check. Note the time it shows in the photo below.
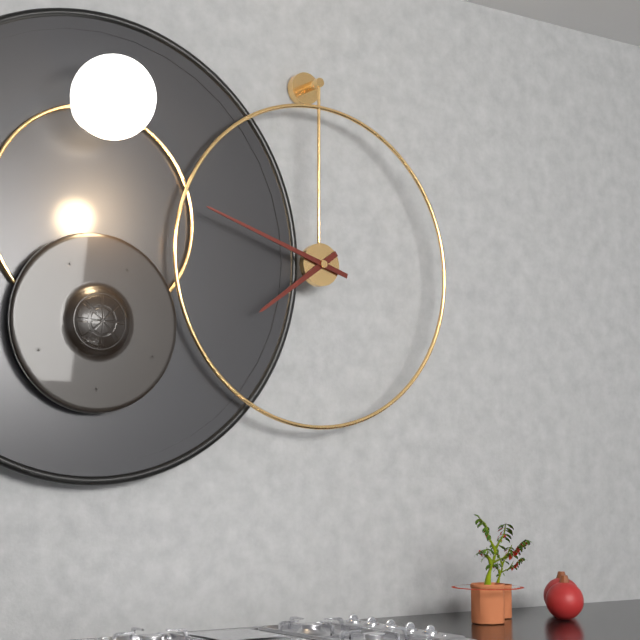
7:48
